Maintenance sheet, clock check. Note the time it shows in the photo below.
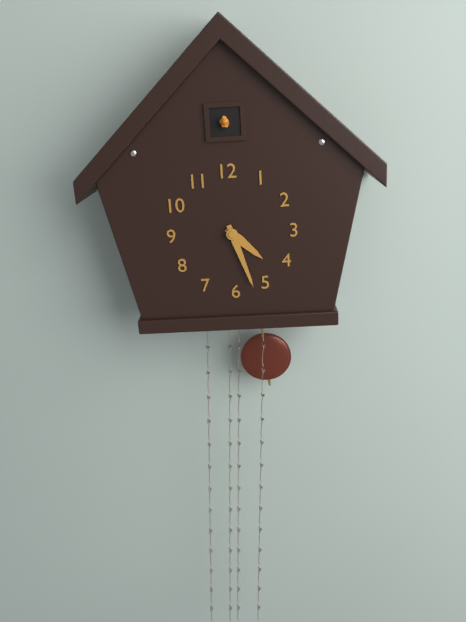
4:27
